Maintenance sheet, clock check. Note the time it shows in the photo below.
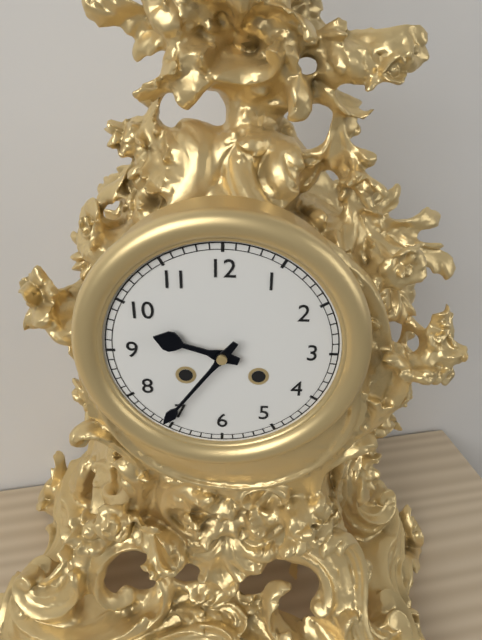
9:36
